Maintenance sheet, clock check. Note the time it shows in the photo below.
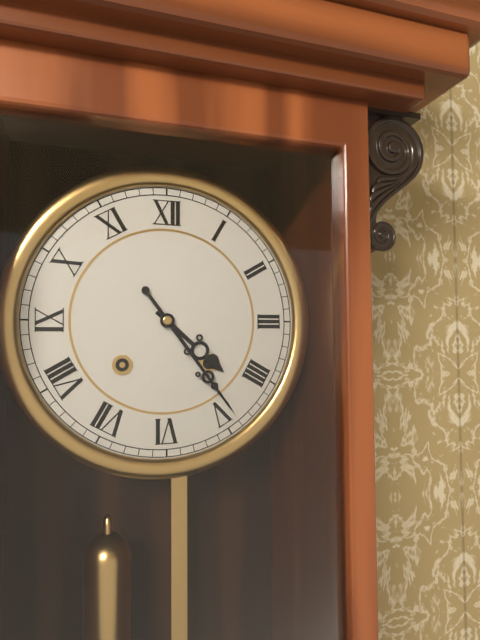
4:24
